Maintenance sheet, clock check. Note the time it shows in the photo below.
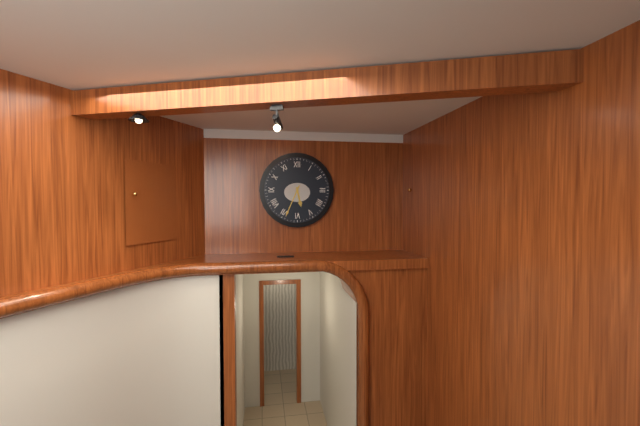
5:34
